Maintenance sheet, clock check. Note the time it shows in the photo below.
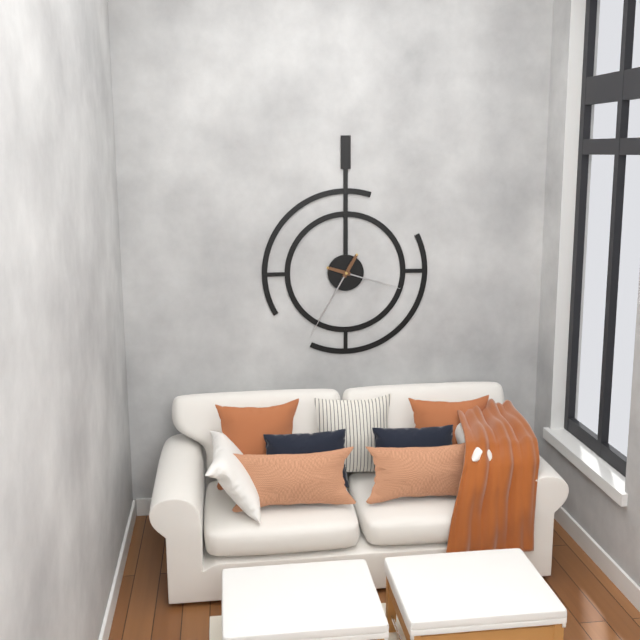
3:35
